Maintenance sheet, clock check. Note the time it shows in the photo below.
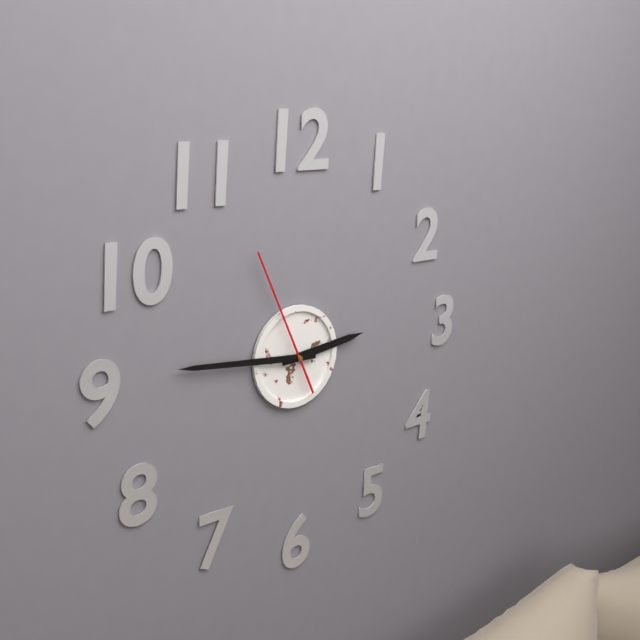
2:46:56
